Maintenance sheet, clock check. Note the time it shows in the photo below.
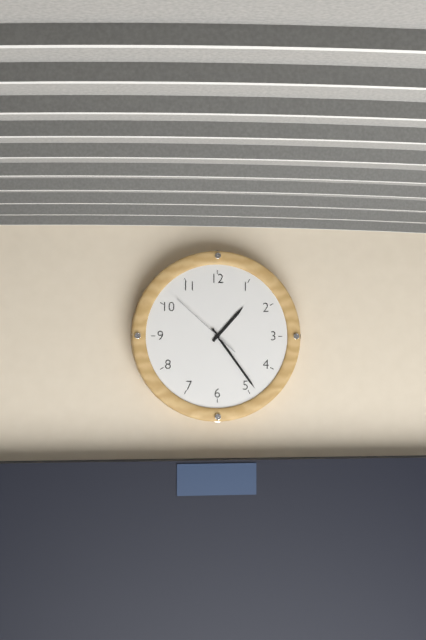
1:24:52
